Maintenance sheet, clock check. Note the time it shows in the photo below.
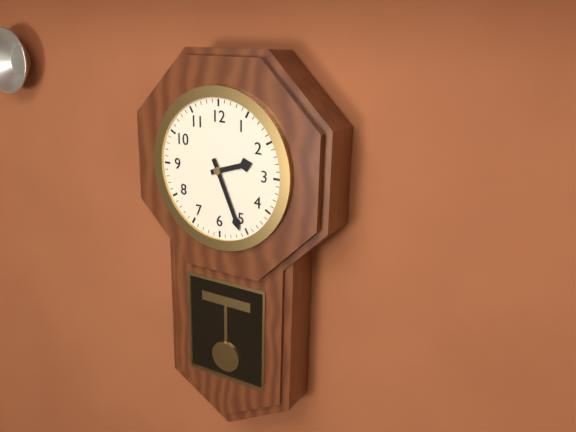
2:26
